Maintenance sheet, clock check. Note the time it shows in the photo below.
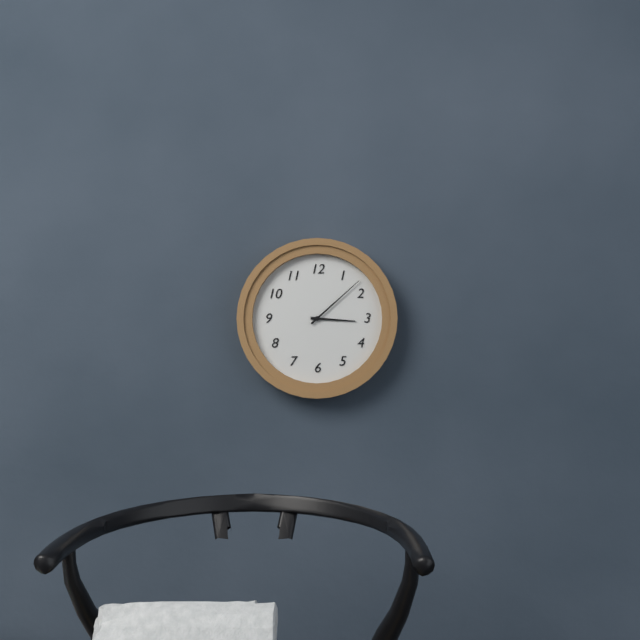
3:08
